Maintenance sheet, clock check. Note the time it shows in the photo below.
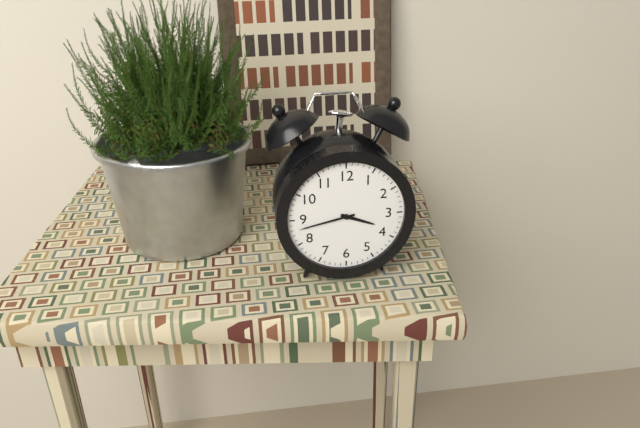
3:43
